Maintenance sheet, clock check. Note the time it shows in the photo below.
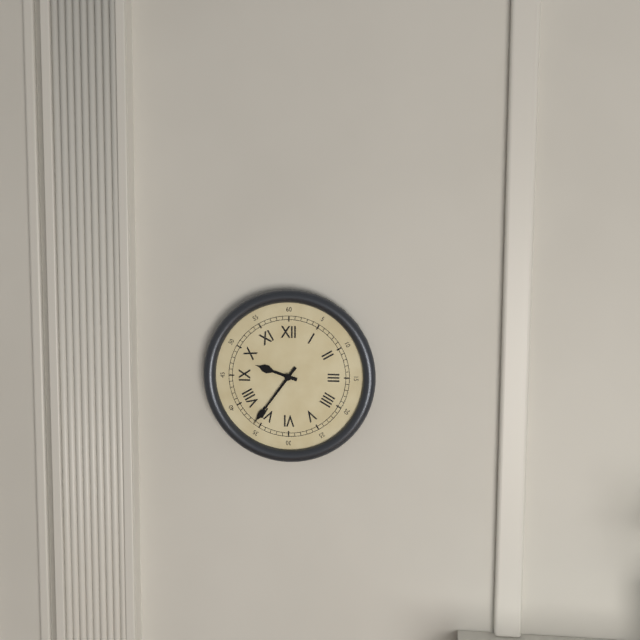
9:36
